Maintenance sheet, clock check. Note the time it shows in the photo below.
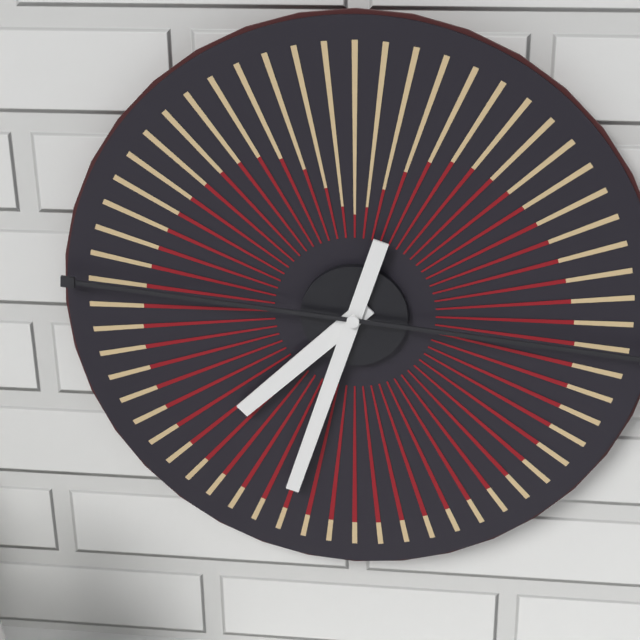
7:33
